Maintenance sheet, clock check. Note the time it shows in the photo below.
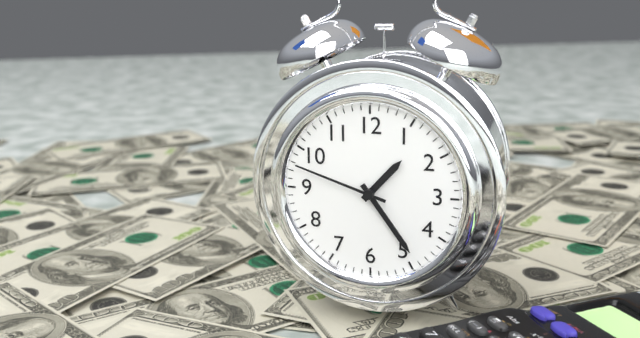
1:24:48
